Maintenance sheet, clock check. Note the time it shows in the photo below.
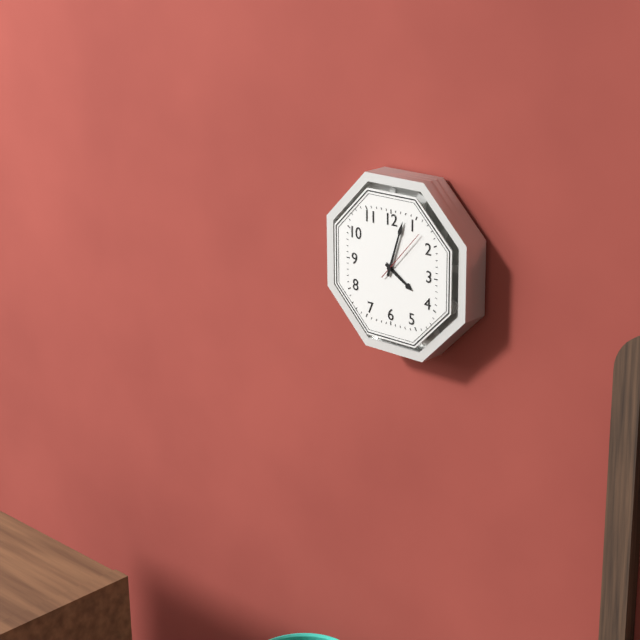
4:03:07
